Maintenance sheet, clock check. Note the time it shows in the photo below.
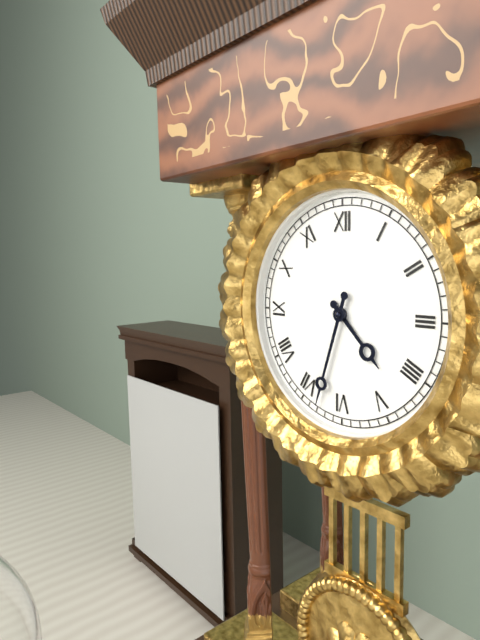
4:33
